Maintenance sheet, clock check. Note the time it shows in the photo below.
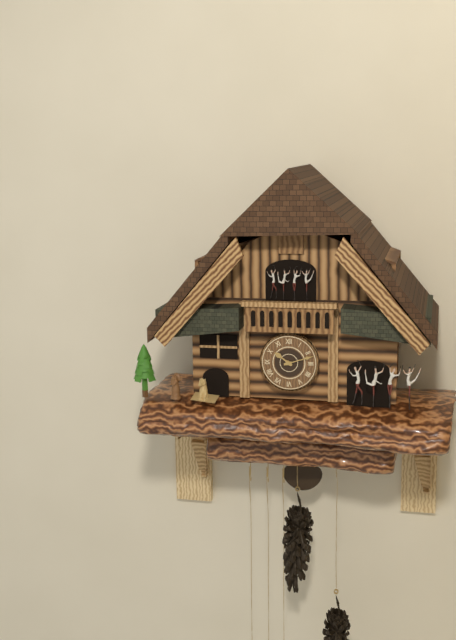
10:12
